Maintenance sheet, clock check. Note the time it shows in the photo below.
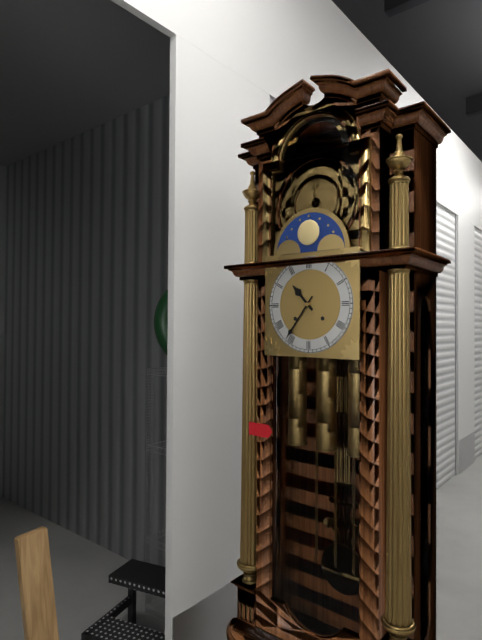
10:36
